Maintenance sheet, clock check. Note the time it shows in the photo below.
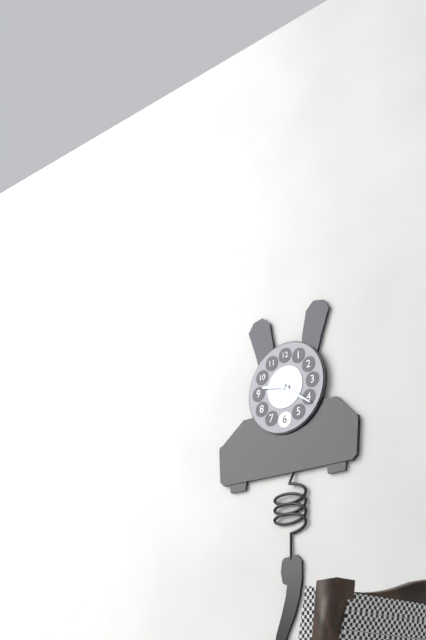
9:21
